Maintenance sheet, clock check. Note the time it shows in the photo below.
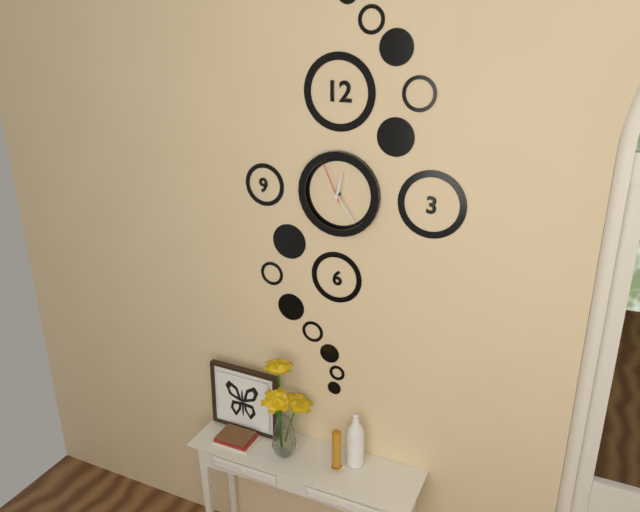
12:24
